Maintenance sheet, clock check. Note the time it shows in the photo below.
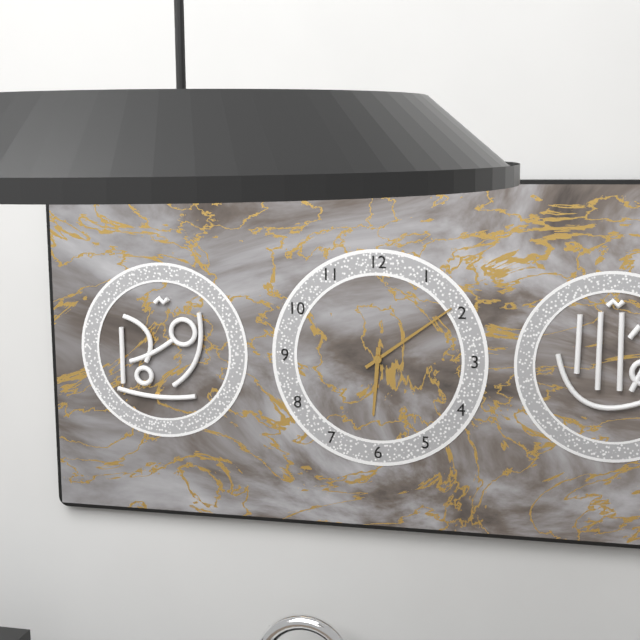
6:09
